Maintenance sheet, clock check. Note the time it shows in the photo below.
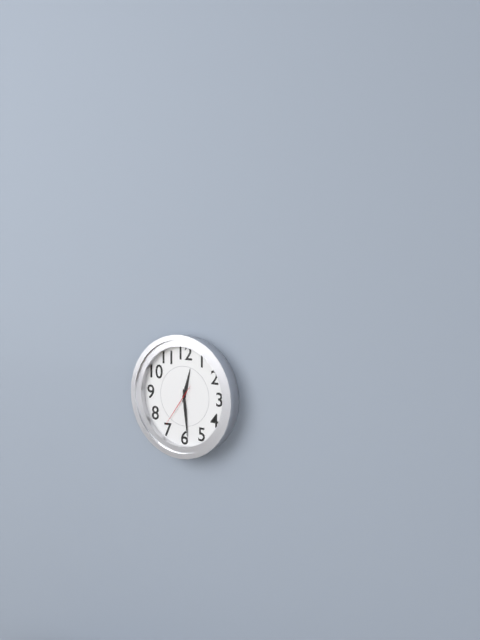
12:29
